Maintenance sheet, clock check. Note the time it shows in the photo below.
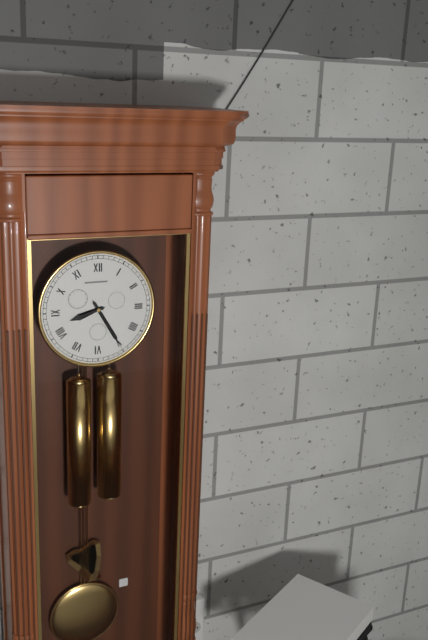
8:25
